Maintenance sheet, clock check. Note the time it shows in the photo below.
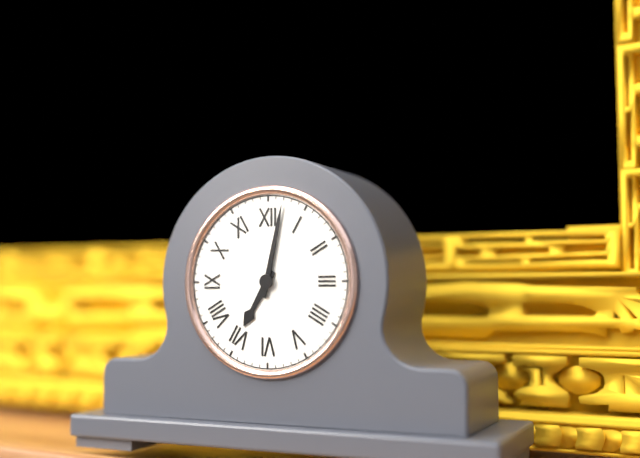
7:02
